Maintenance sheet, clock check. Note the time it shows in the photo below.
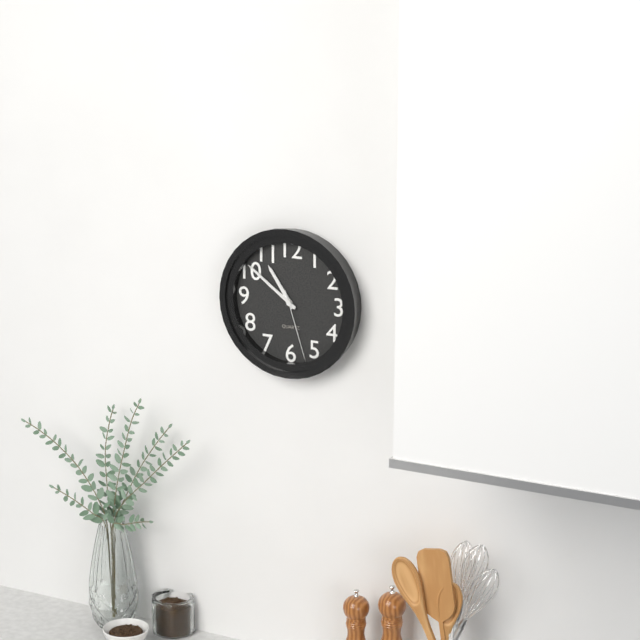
10:51:27
